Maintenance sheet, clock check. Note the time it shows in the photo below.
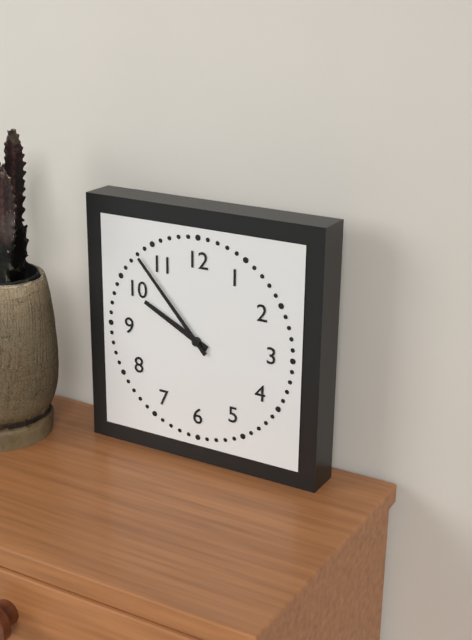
9:53
